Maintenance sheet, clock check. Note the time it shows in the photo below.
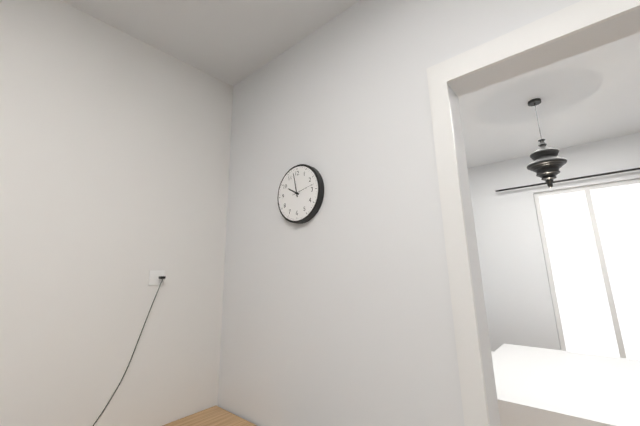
9:58
